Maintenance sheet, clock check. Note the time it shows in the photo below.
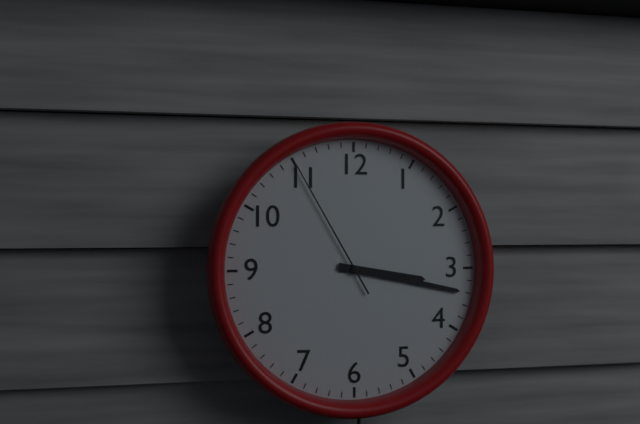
3:17:55
